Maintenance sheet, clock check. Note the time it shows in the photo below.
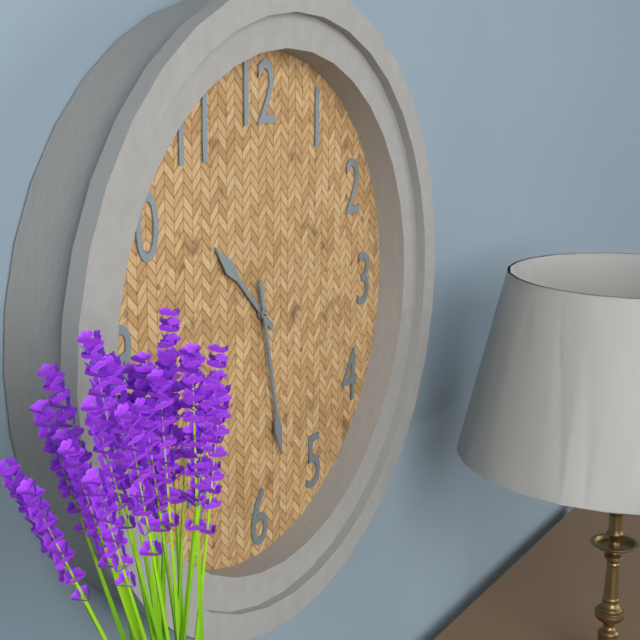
10:28
